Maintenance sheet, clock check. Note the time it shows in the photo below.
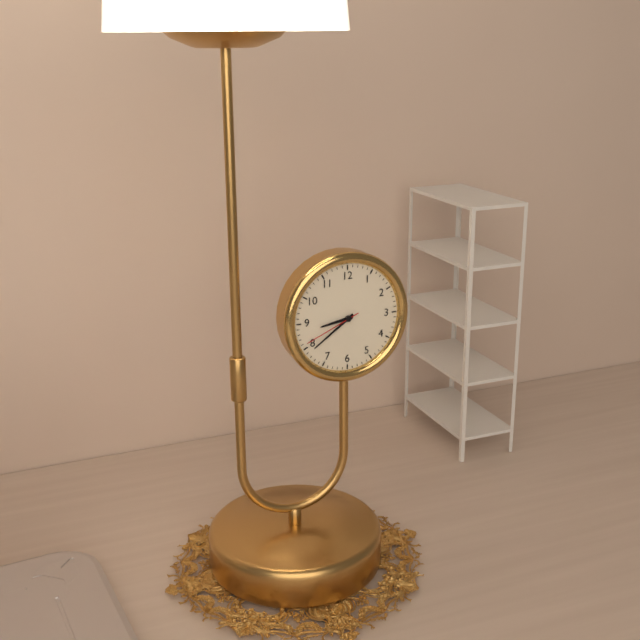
8:39:41
